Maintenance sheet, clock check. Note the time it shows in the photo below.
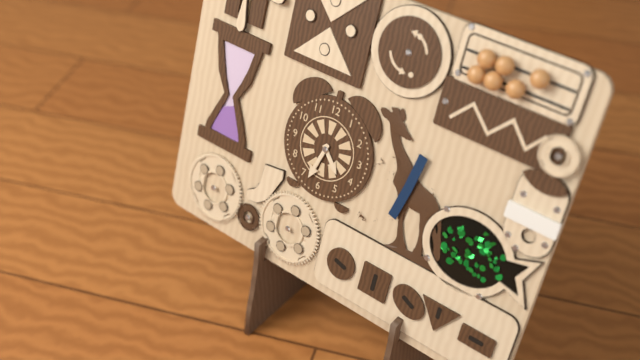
4:33
